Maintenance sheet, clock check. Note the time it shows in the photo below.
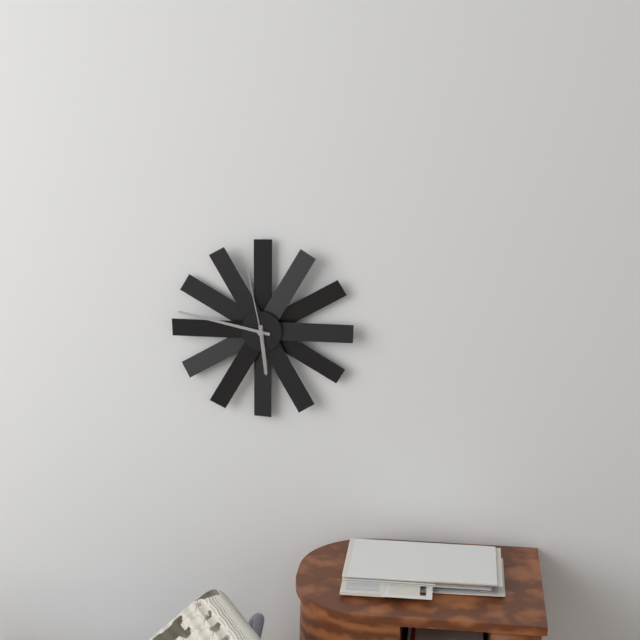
5:47:58
